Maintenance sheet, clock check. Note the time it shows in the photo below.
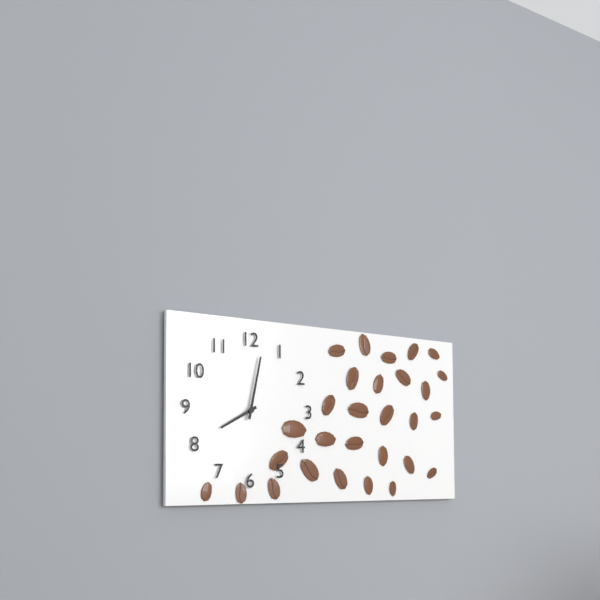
8:02
